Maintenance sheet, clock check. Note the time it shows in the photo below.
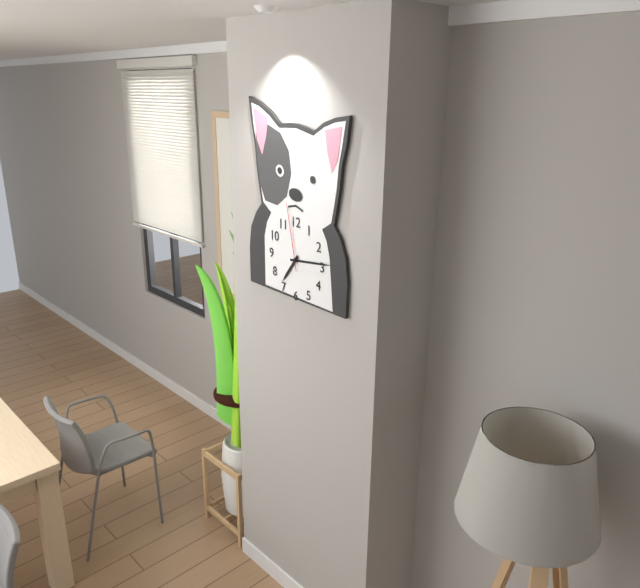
7:14:58
